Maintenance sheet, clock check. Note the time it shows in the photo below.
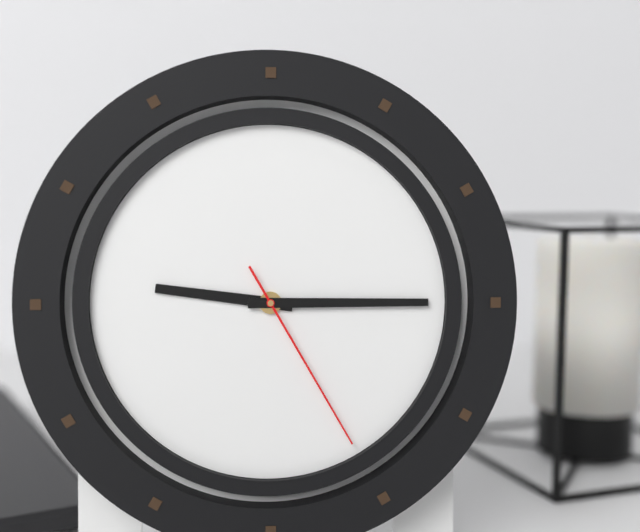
9:15:25
